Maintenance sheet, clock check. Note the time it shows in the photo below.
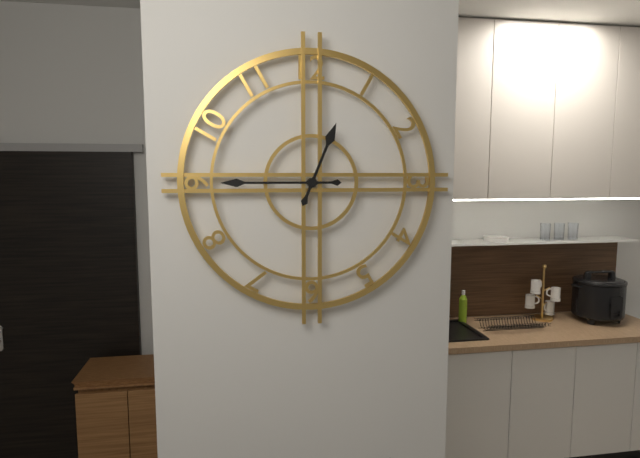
12:45
